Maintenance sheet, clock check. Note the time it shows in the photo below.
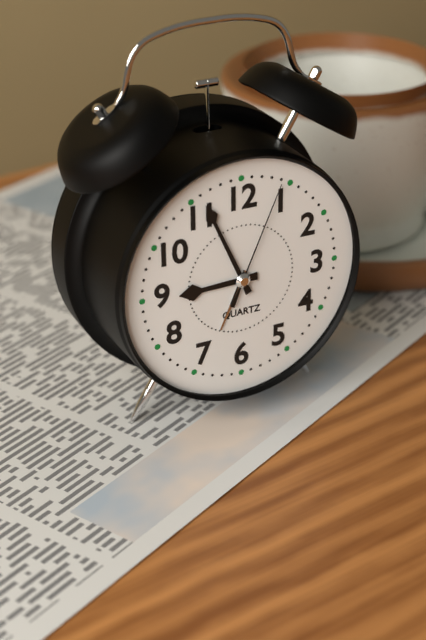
8:56:04
